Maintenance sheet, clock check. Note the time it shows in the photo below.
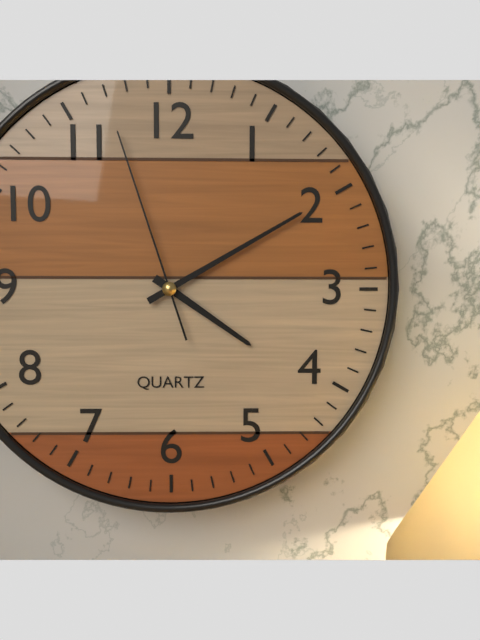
4:10:57
